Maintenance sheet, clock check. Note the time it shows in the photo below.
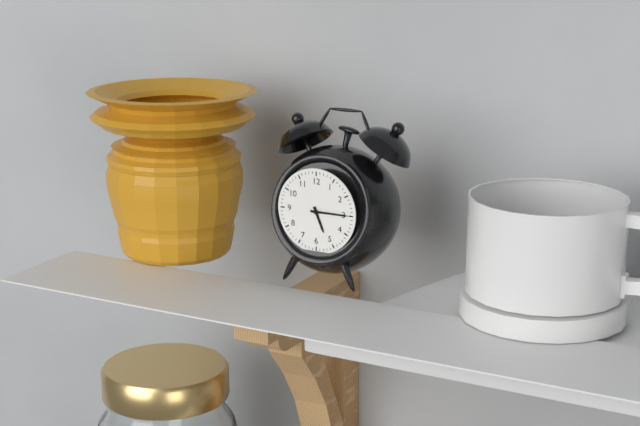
5:15
